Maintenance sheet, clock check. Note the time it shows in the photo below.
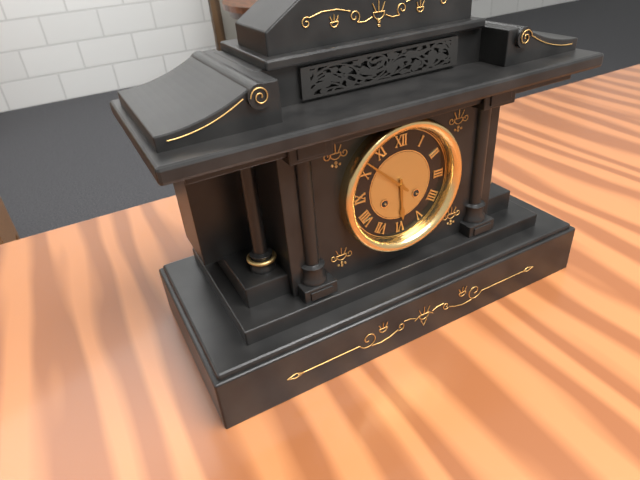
5:52
